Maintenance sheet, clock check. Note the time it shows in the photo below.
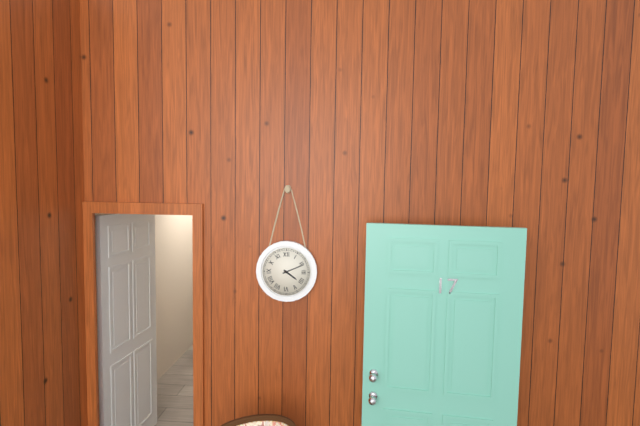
4:11
